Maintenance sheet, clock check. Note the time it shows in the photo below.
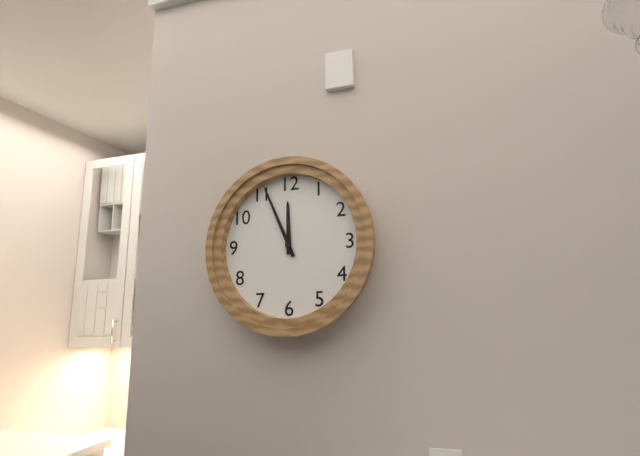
11:56
